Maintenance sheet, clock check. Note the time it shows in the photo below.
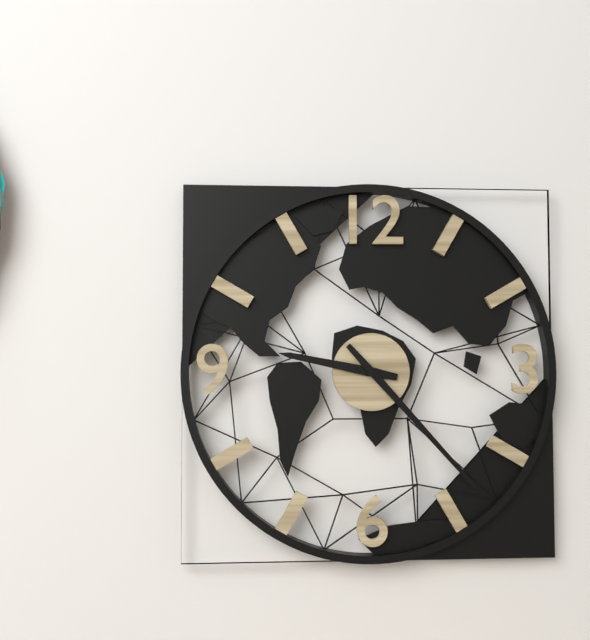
9:23
